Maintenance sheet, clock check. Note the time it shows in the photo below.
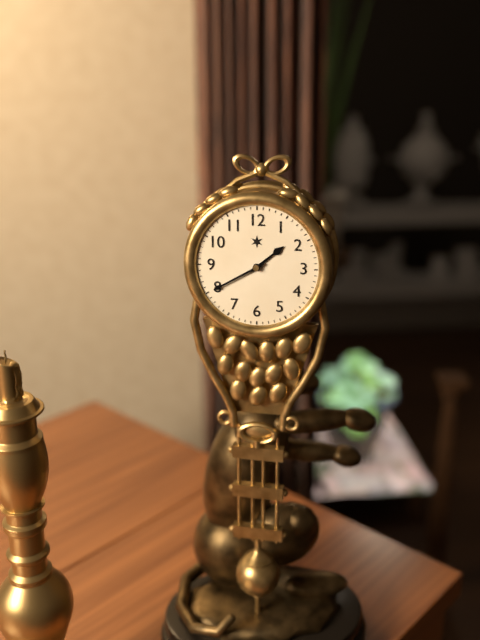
1:40
